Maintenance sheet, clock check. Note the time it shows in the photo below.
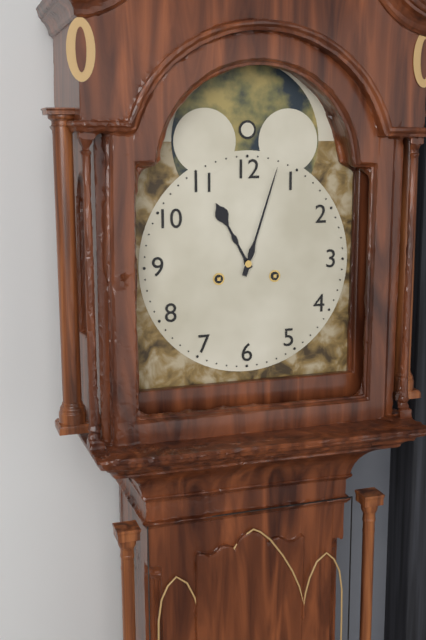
11:03
